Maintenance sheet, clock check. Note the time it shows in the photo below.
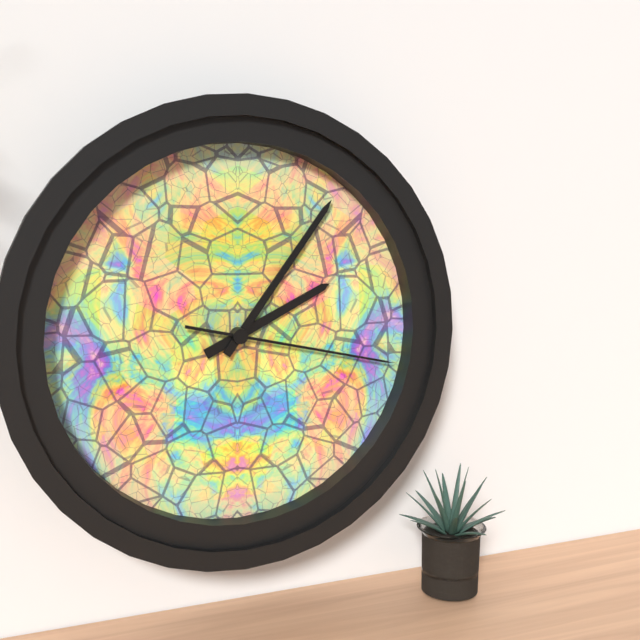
2:06:17
